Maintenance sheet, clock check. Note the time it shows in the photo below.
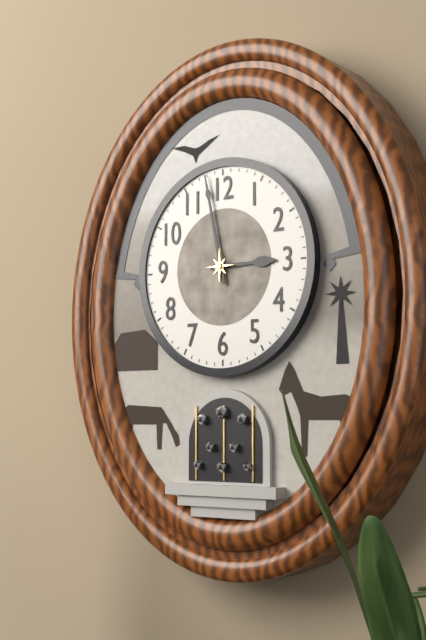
2:58
